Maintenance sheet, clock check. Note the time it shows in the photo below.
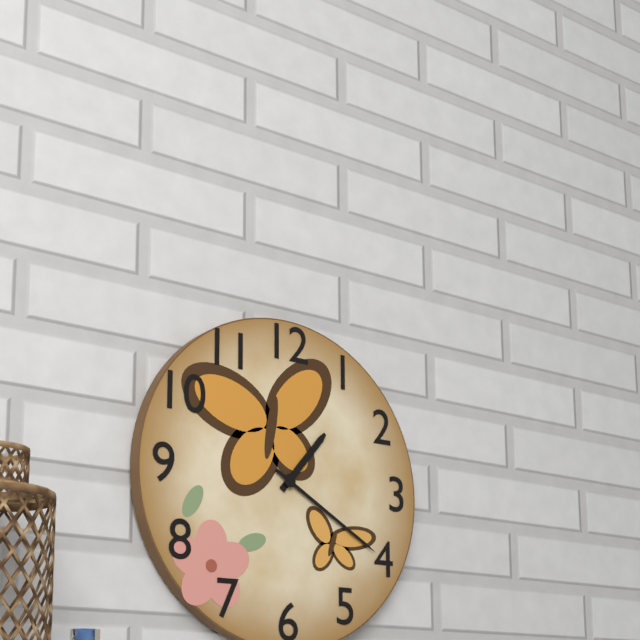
1:20
